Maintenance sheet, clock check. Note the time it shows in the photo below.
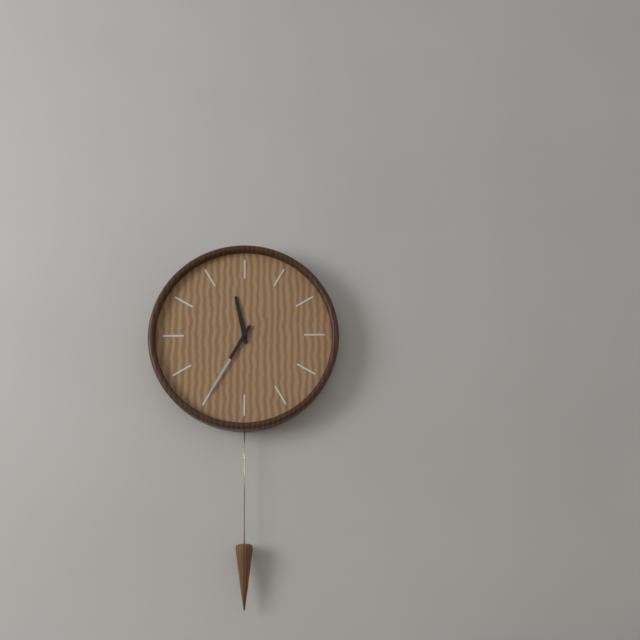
11:35
